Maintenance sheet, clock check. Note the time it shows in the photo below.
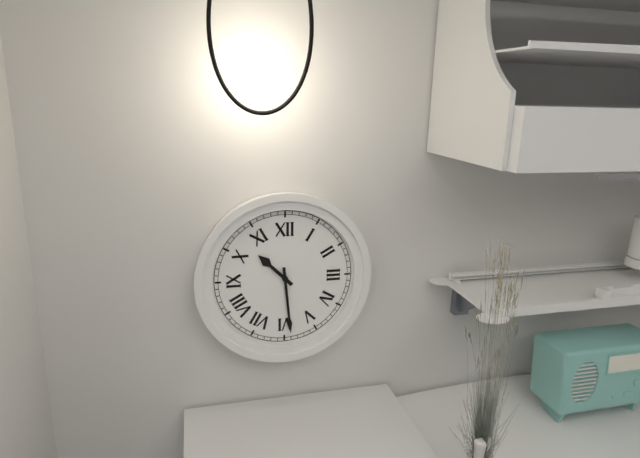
10:29
